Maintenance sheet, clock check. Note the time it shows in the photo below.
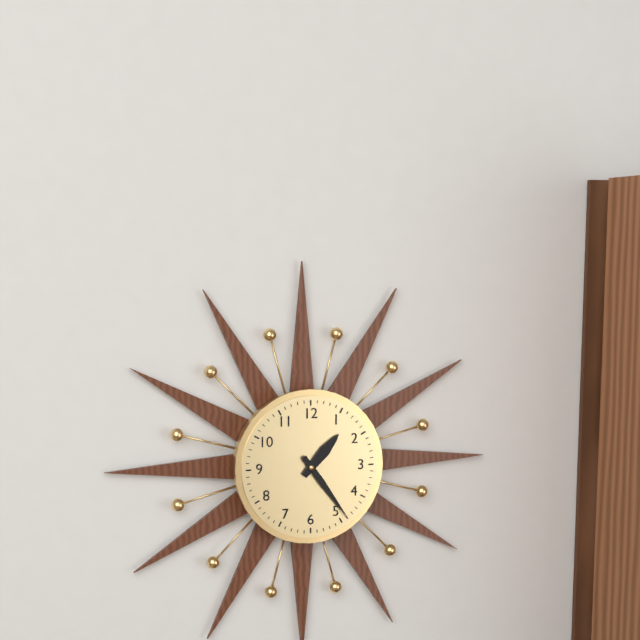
1:24
